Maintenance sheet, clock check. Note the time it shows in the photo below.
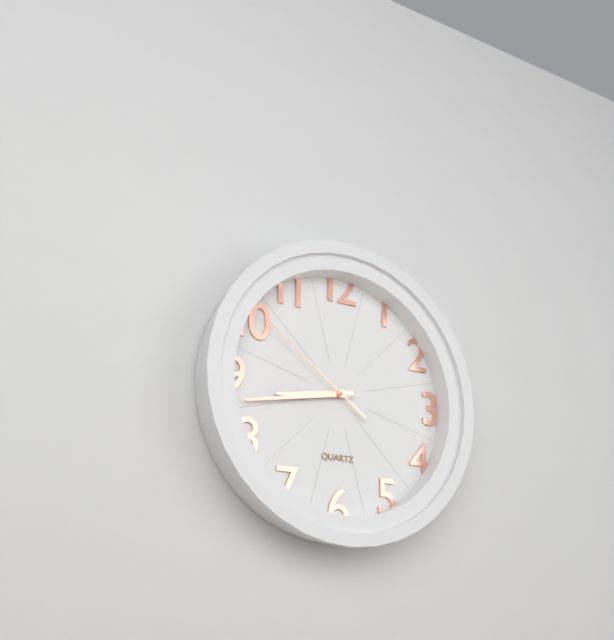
8:43:51
